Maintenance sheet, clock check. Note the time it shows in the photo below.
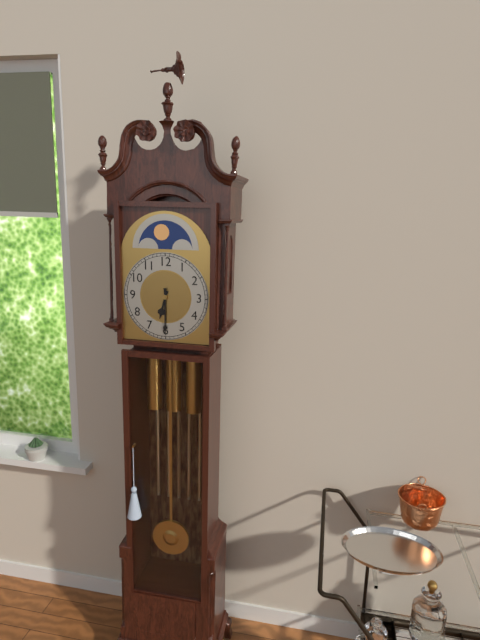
6:30
